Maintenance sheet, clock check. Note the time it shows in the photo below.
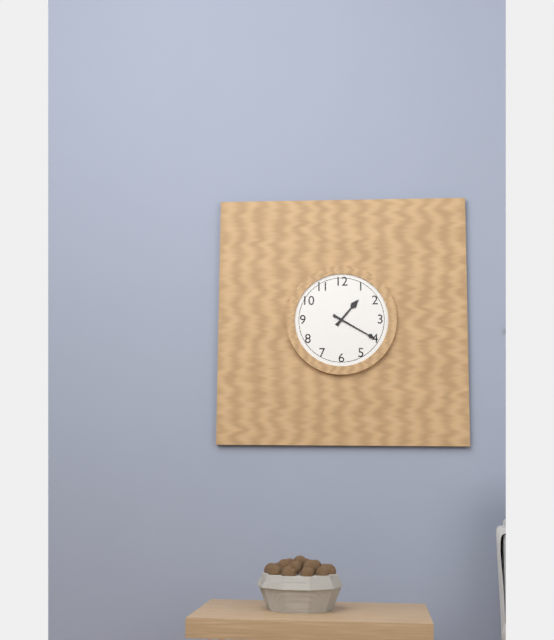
1:20
